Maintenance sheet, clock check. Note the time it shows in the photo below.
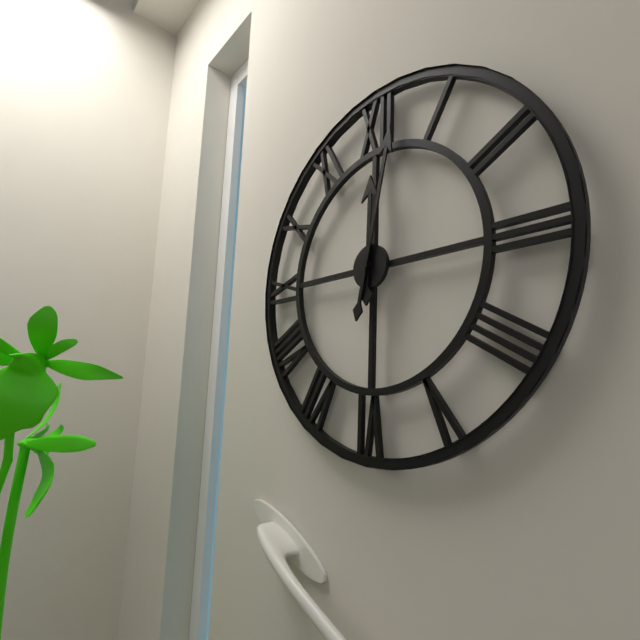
12:02
